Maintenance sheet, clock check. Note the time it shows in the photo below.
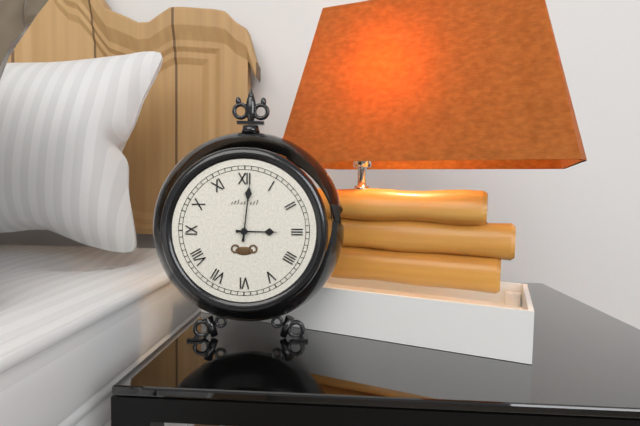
3:01
